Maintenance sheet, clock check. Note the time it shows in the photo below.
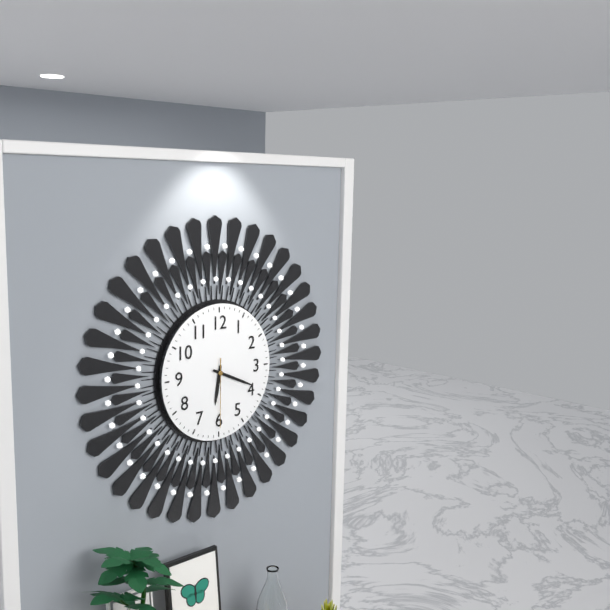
6:19:30
